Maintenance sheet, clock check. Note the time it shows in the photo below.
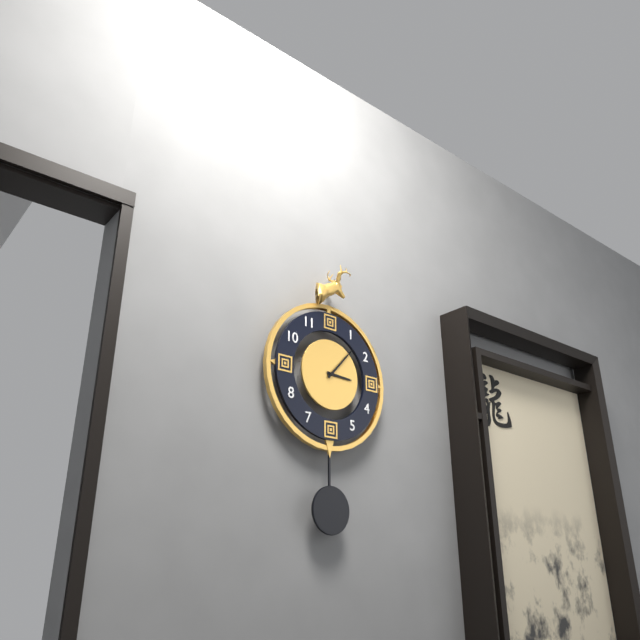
3:07
